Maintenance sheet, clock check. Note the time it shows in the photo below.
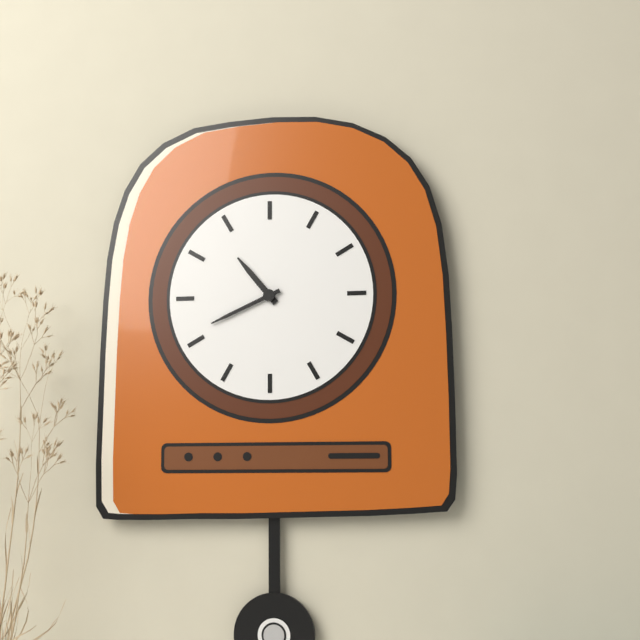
10:41
